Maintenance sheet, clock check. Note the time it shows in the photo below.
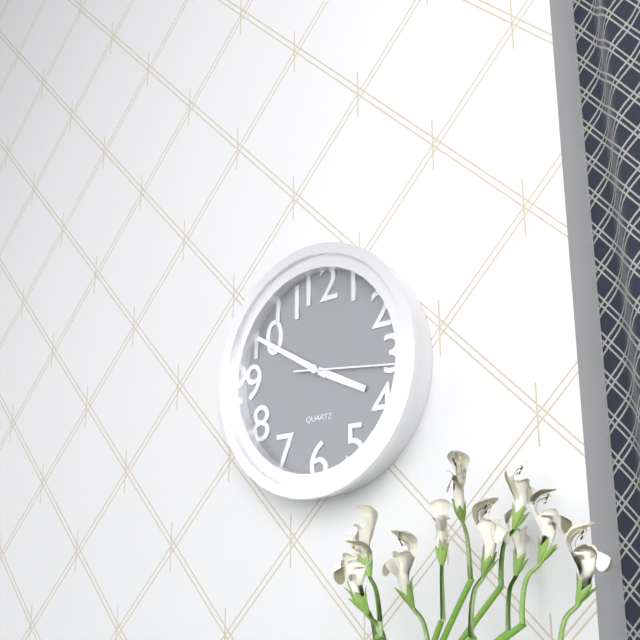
3:50:16
